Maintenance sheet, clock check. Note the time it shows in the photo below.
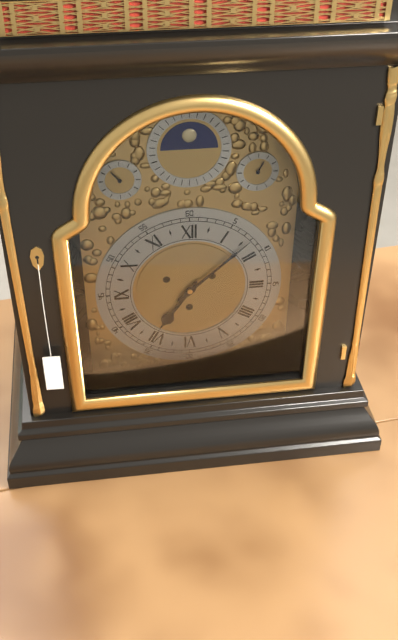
7:08
